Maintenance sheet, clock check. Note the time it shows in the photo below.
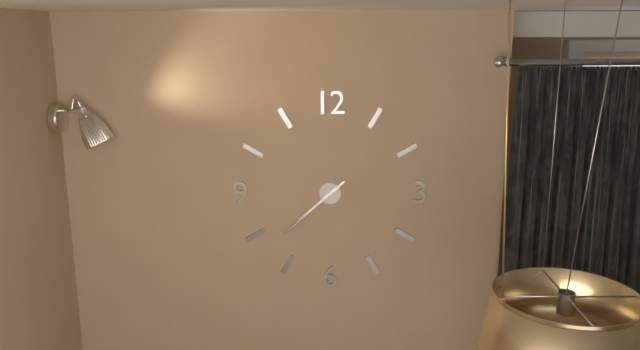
7:38
